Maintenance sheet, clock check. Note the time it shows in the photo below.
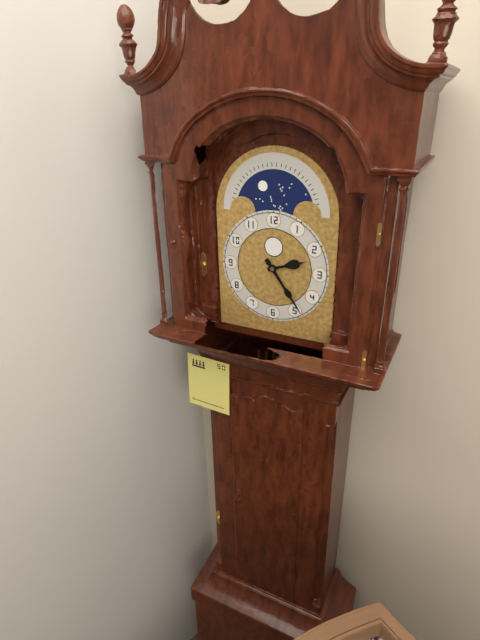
2:24
